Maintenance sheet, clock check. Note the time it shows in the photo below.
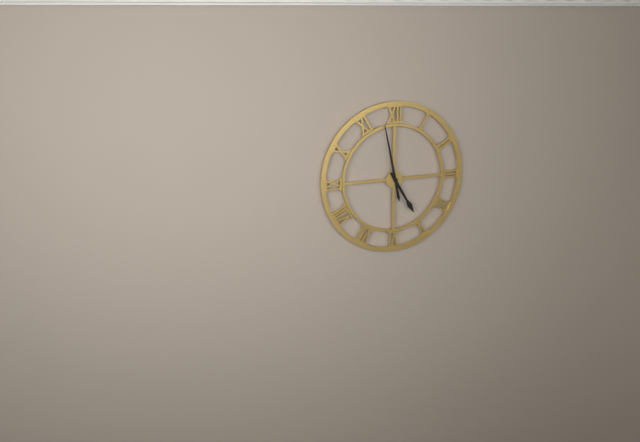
4:58
